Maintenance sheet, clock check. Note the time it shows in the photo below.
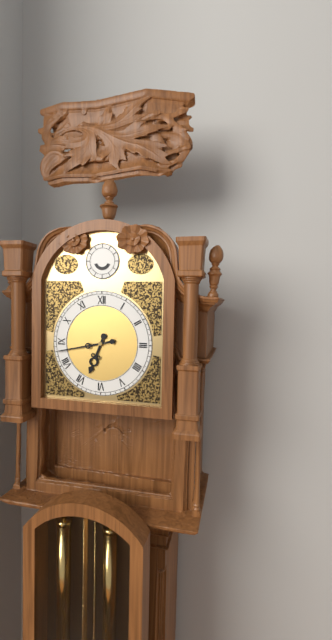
6:43
